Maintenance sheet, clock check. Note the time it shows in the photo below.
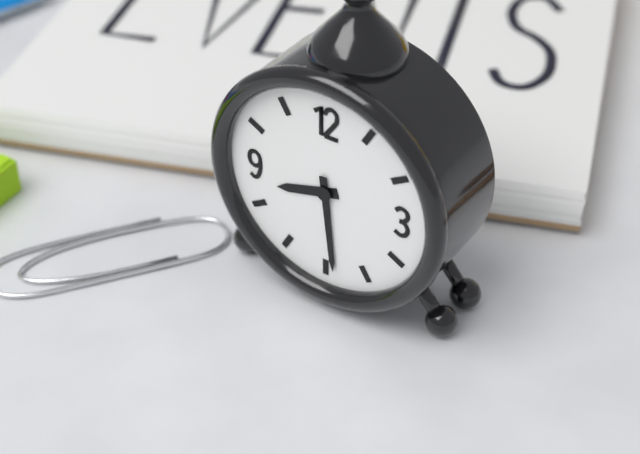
8:29
